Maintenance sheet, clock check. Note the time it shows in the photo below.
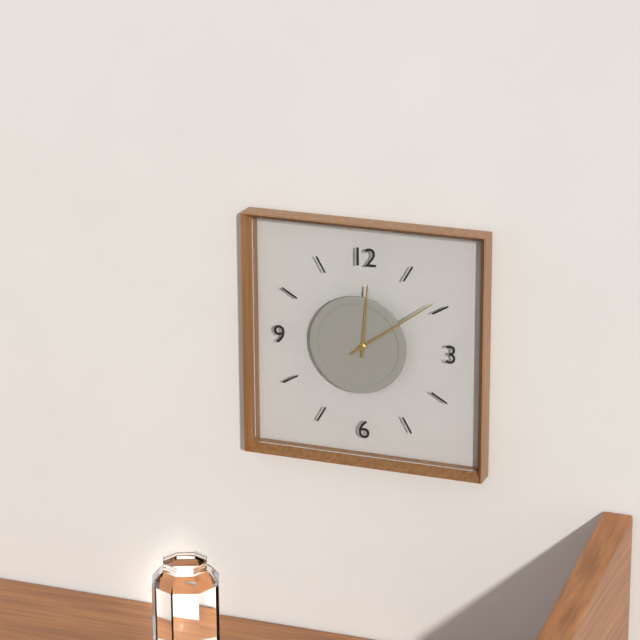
12:09
